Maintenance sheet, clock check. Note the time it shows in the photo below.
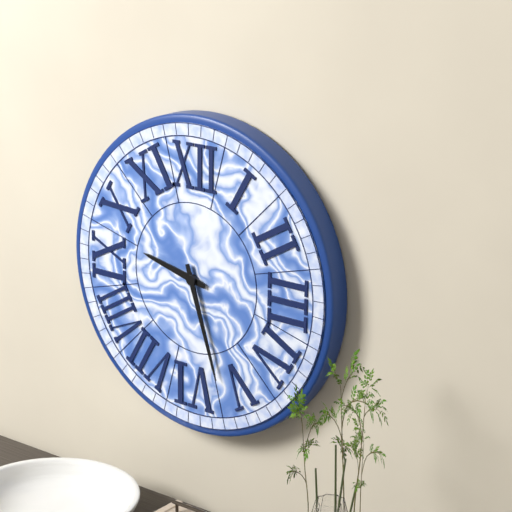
9:27
